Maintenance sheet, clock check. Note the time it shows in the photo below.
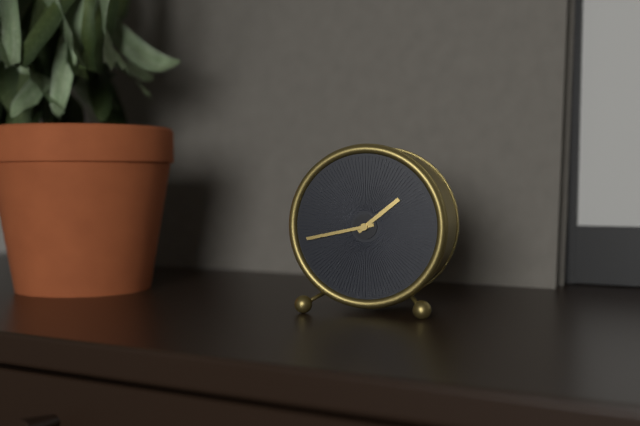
1:43
